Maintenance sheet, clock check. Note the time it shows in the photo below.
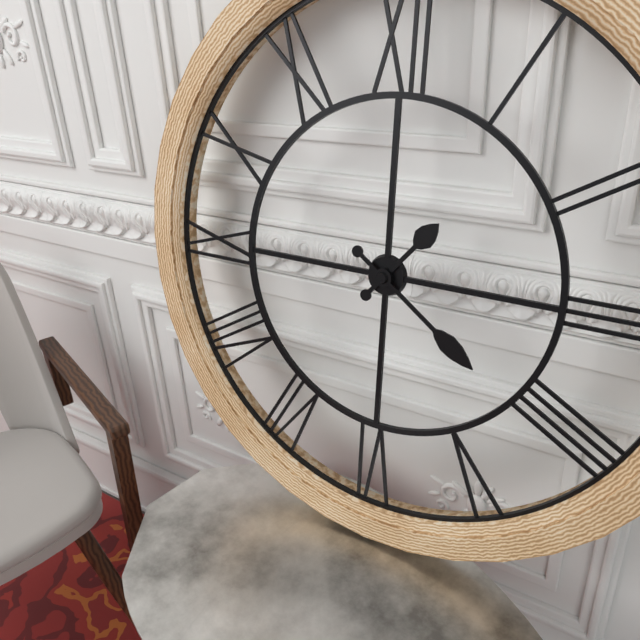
1:21
